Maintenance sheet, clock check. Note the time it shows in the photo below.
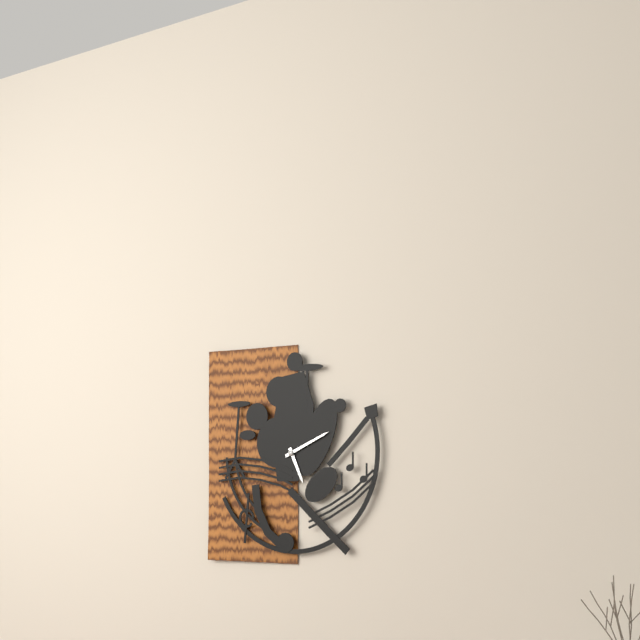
5:11
